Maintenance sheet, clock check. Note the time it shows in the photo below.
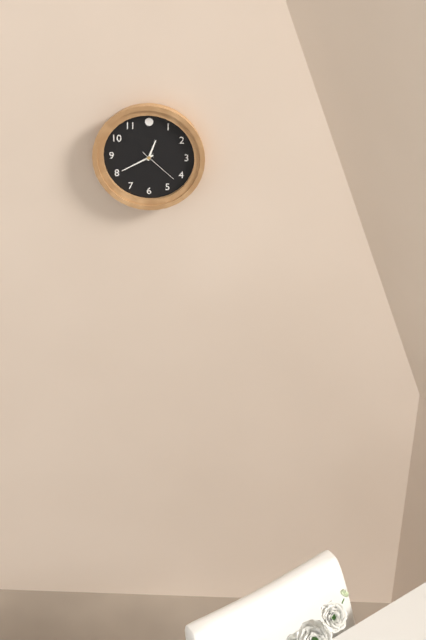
12:40
